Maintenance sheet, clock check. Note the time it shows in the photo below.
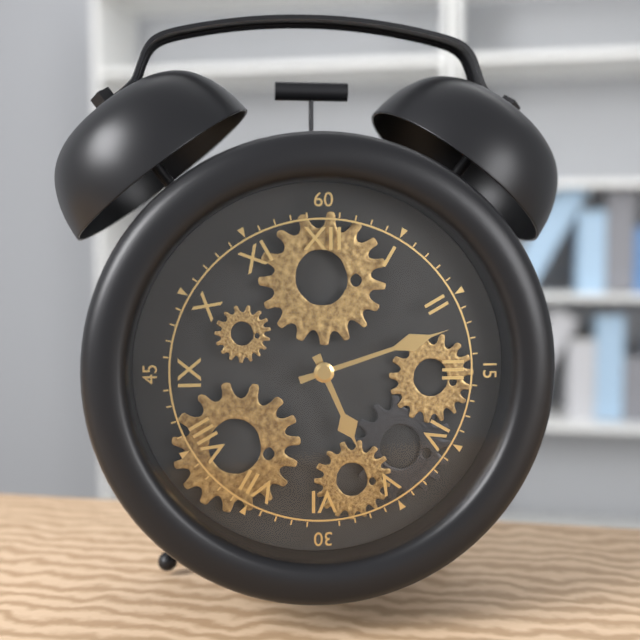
5:12
